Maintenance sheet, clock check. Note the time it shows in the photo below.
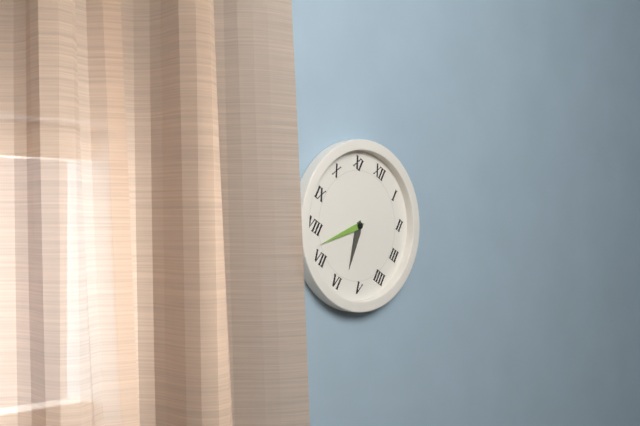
5:37
